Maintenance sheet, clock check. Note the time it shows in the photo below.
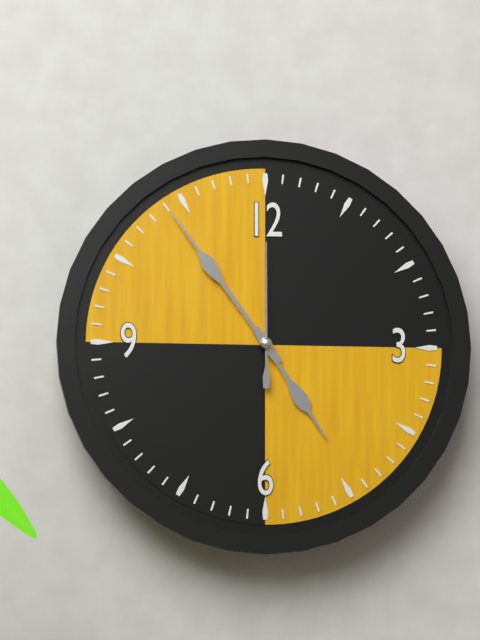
4:54:00
